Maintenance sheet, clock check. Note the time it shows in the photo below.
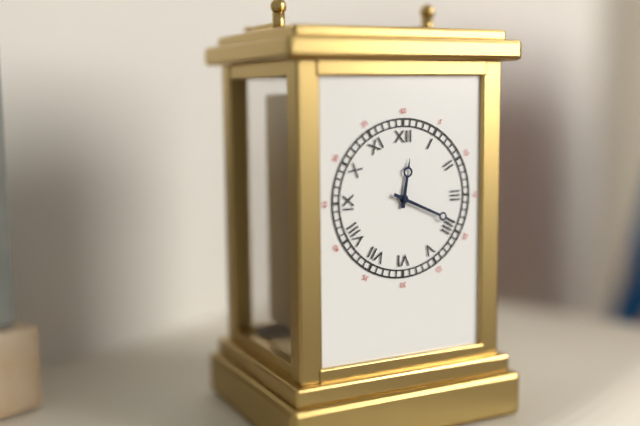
12:19
